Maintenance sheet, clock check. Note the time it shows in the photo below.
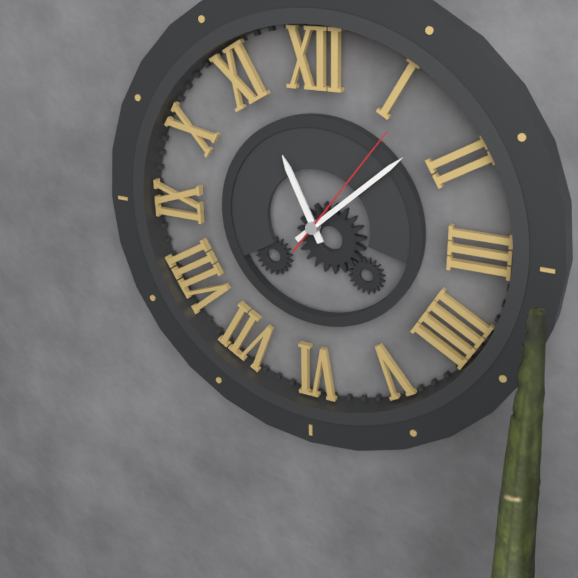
11:08:06
